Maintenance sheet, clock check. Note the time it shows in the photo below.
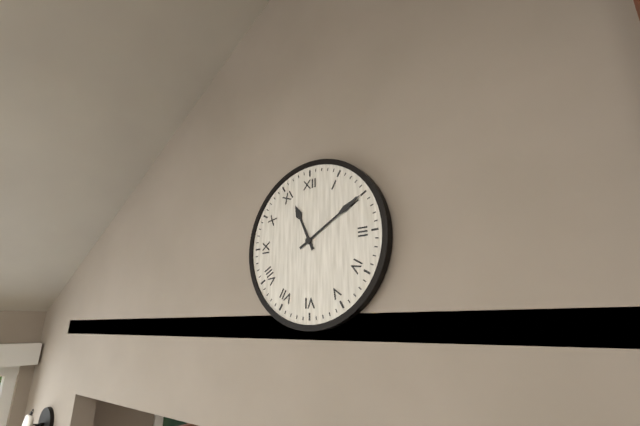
11:10
